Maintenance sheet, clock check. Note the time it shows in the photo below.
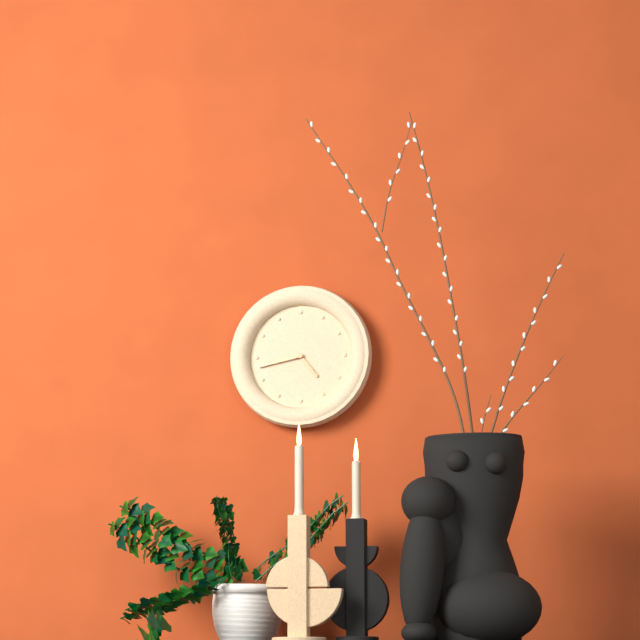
4:43
